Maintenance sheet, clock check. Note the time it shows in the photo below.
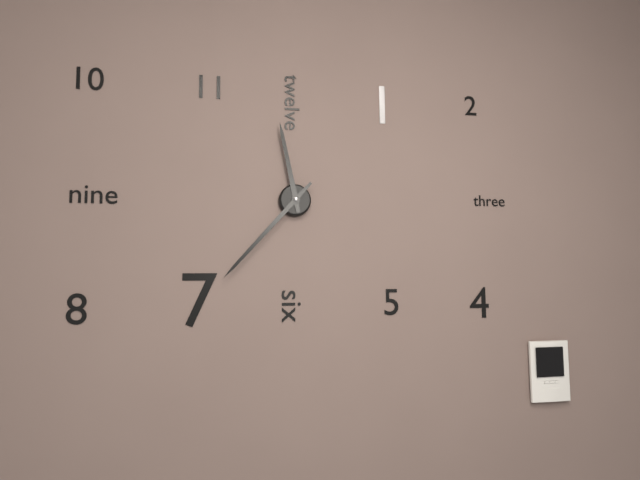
11:37
